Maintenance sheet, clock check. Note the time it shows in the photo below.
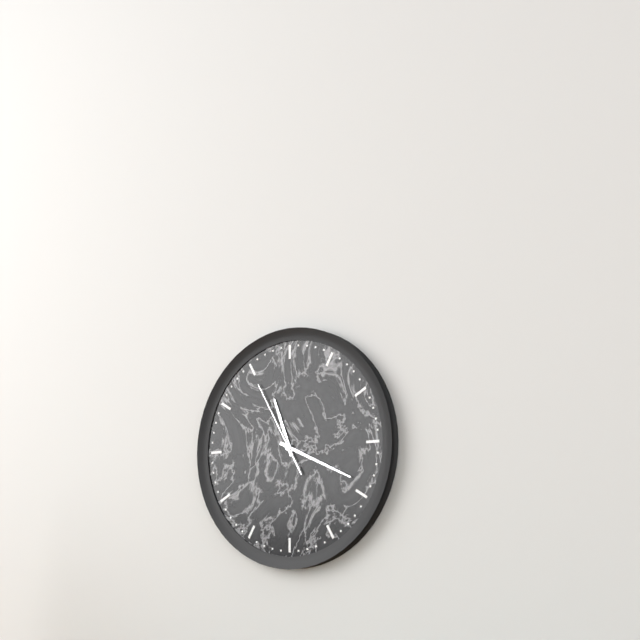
11:19:55
